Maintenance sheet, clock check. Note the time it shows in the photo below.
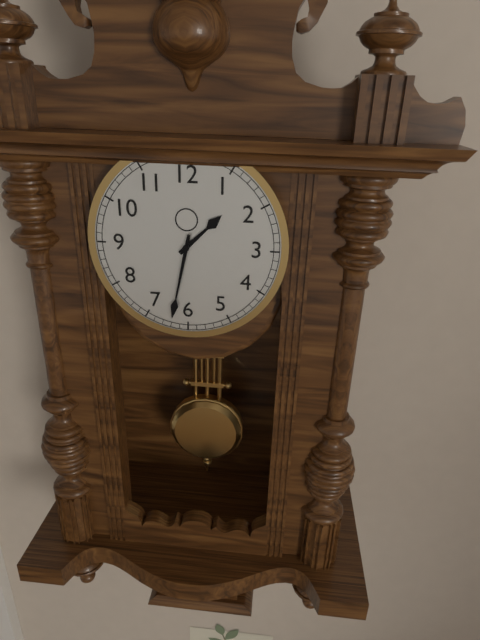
1:32
